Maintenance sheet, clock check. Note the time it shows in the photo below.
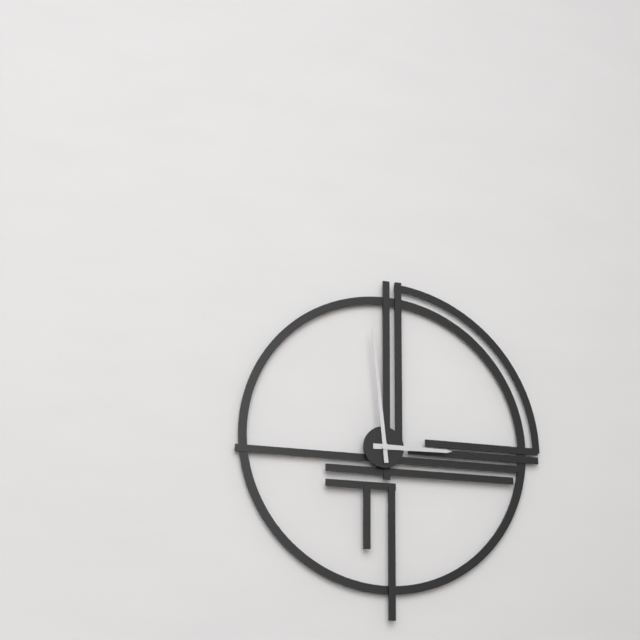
2:59
